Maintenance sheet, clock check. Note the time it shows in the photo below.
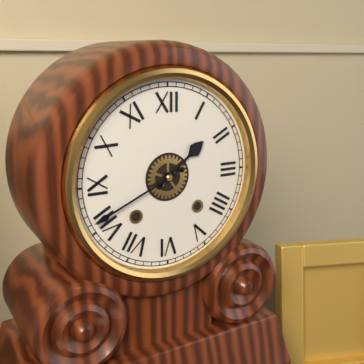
1:41
